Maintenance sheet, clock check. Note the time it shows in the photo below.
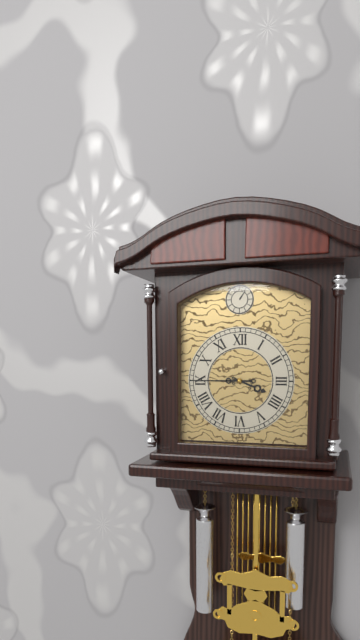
3:45
